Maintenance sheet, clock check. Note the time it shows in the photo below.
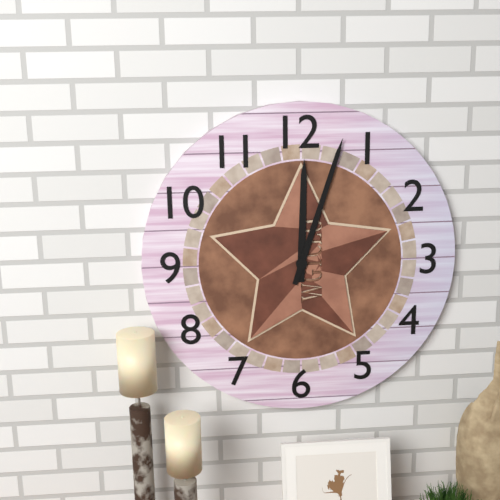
12:03
